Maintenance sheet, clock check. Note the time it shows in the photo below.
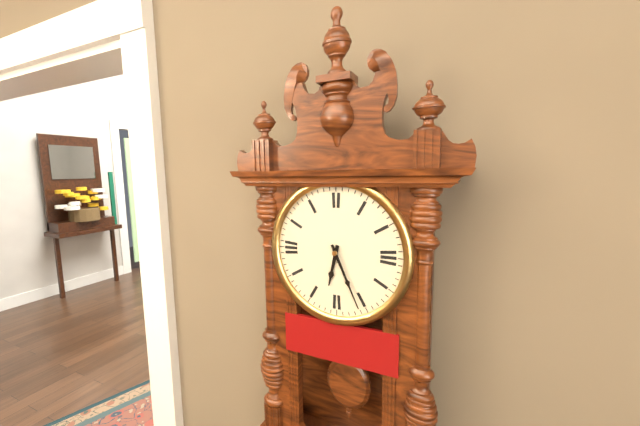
6:26
